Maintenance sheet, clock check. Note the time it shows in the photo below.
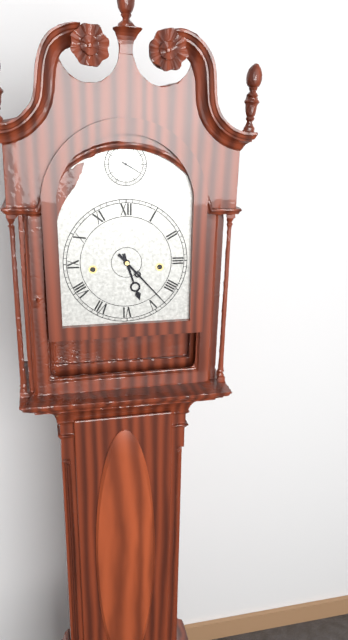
5:23
